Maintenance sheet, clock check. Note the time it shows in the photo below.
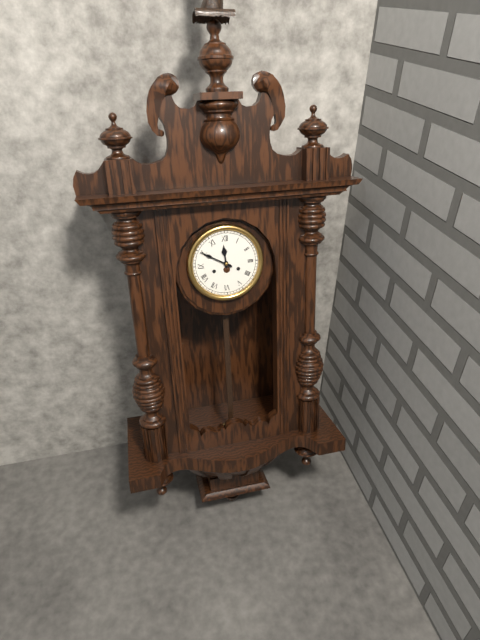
11:50
